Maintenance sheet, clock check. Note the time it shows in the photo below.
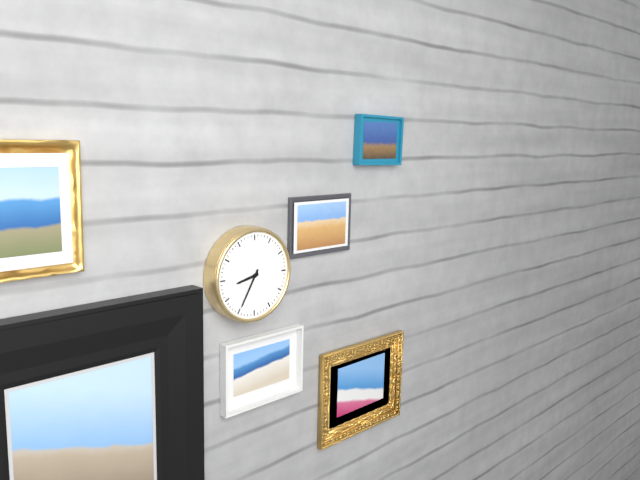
8:35
